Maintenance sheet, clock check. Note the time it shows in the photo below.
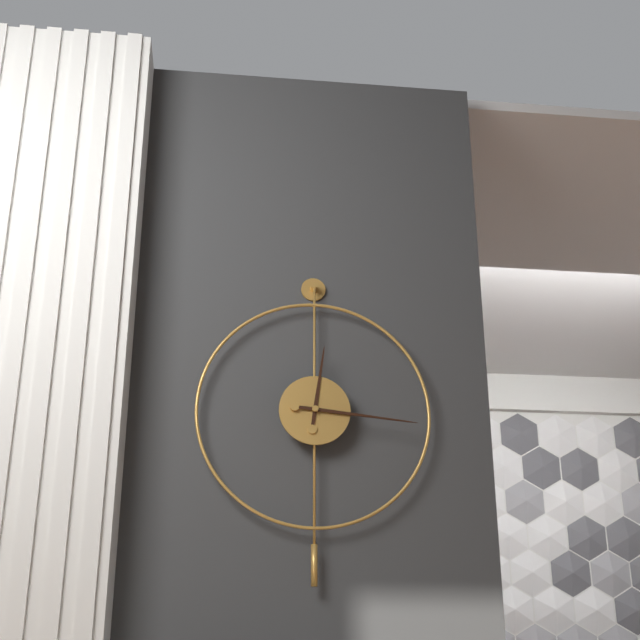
12:16
